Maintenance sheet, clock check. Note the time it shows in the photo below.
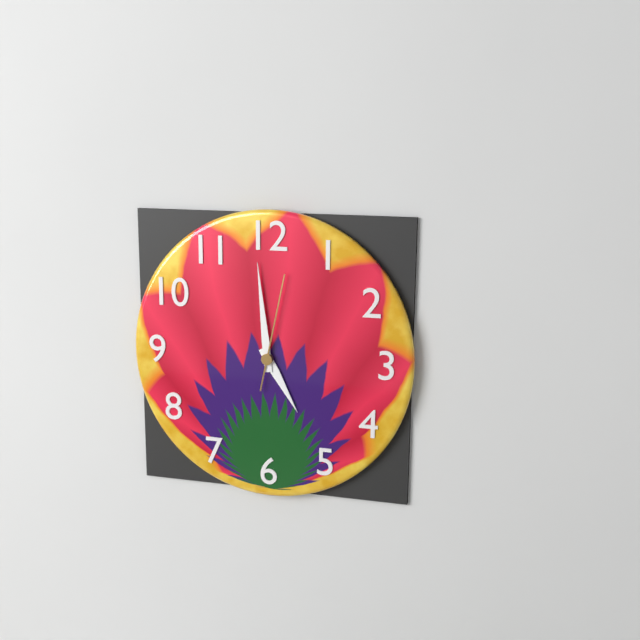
4:59:02
